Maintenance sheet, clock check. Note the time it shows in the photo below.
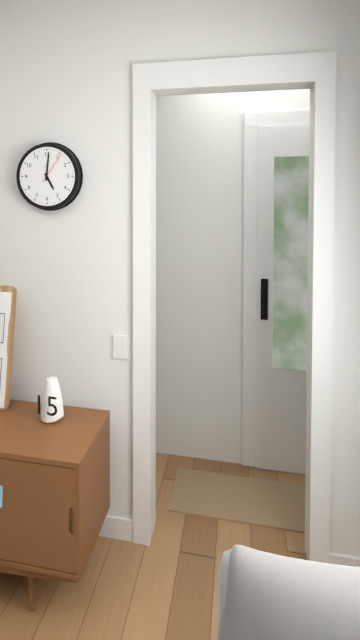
5:01
